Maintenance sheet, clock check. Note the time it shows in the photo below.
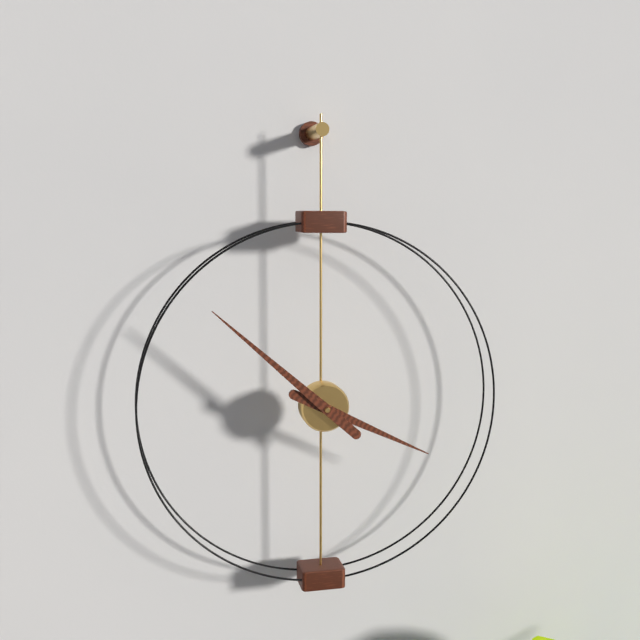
3:52
